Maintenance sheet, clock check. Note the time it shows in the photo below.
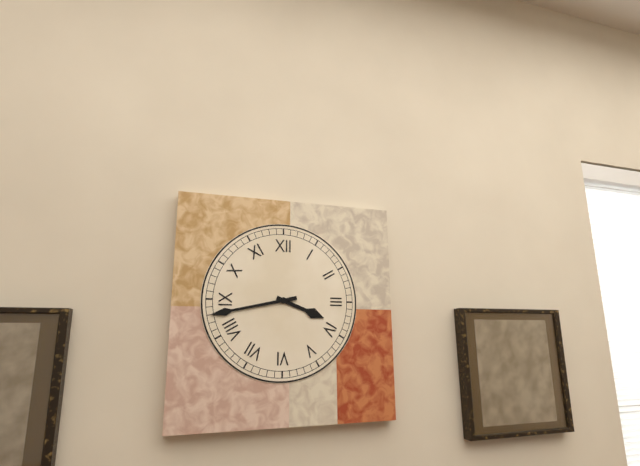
3:43
